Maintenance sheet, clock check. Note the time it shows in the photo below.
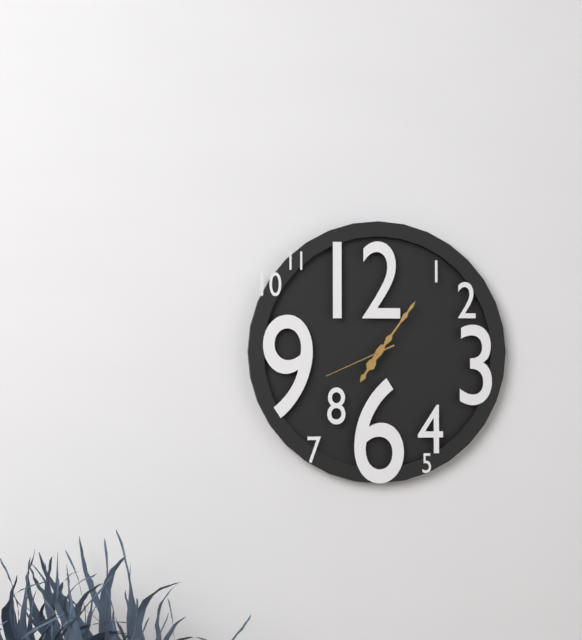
7:06:41
